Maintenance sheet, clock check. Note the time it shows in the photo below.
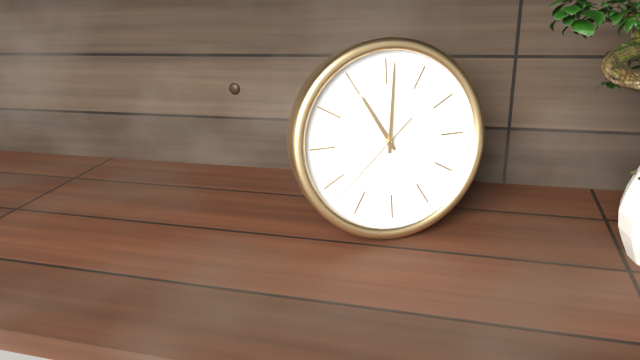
11:01:38
